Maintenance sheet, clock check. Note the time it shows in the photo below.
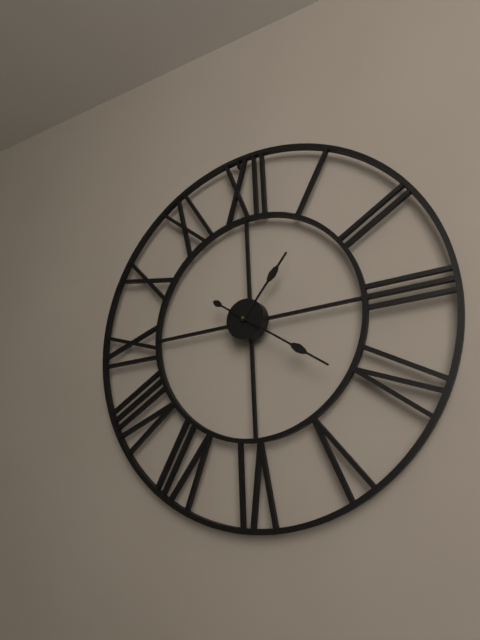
1:21
